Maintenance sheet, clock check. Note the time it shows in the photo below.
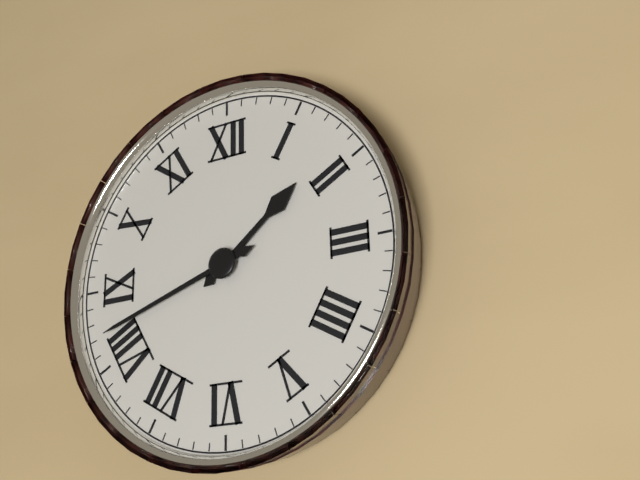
1:42
